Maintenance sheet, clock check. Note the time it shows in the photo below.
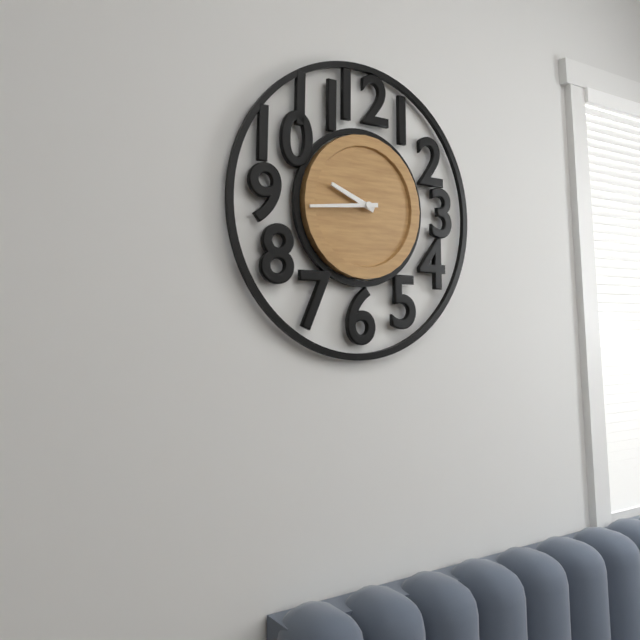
9:44
